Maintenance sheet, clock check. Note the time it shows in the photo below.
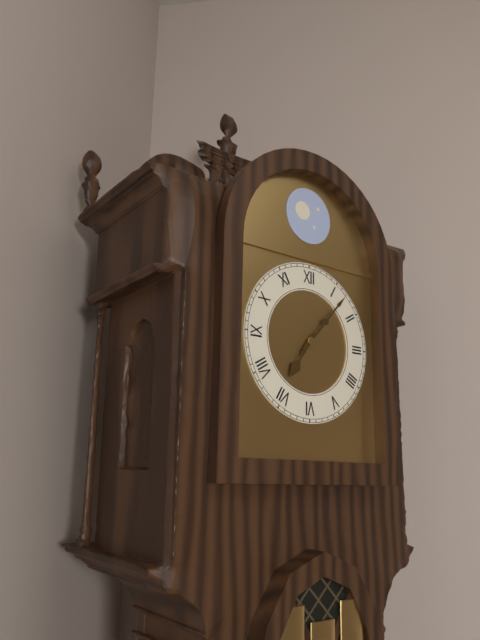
7:07
